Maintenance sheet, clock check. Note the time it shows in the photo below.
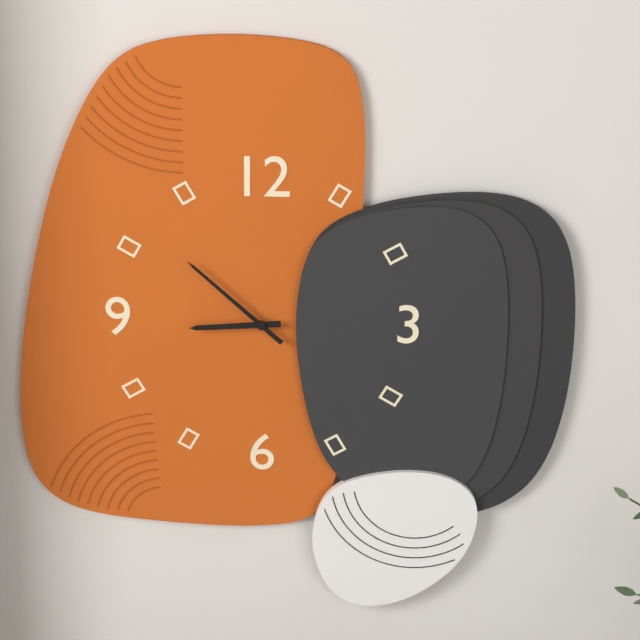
8:52
